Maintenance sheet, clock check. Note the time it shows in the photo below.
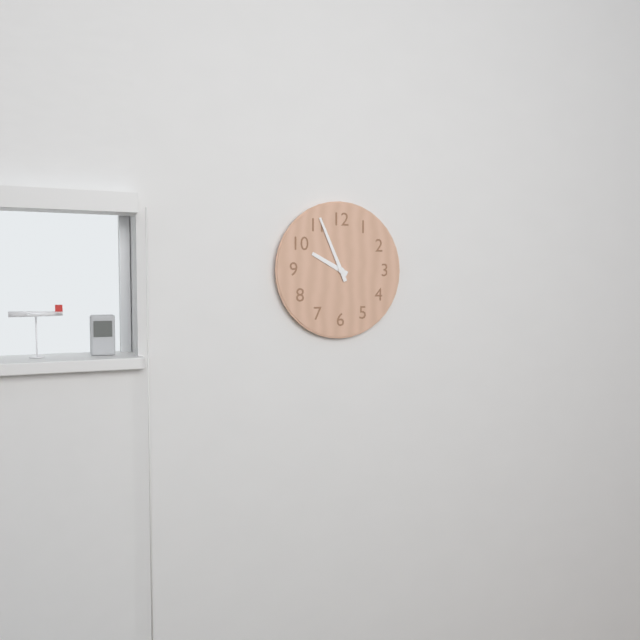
9:56
